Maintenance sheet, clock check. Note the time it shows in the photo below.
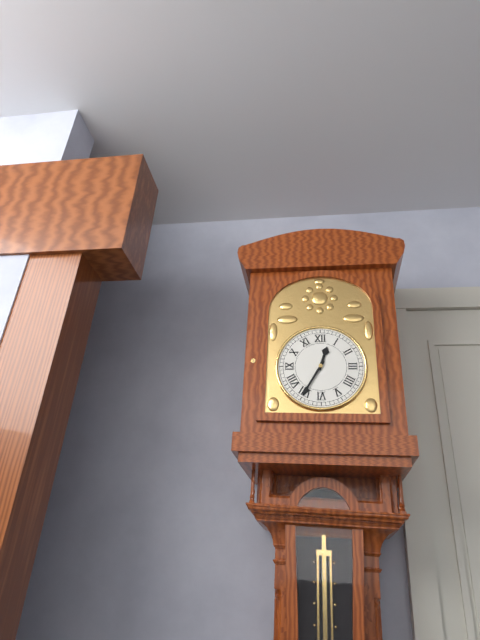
12:35
